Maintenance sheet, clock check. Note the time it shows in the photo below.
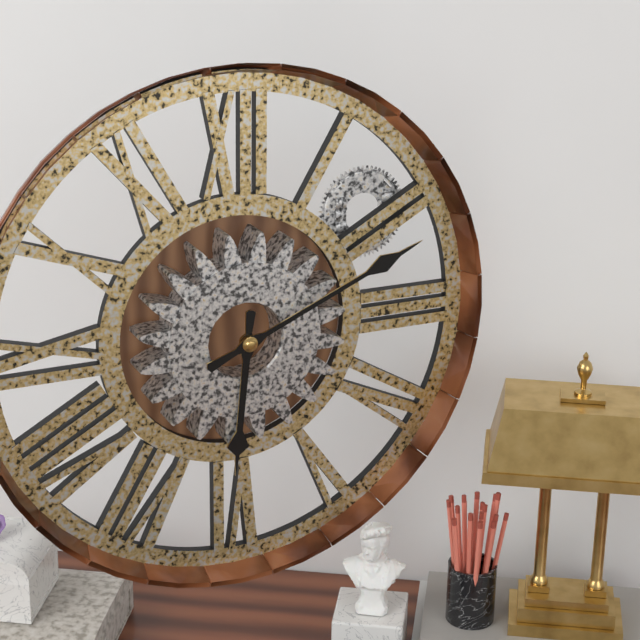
6:11
